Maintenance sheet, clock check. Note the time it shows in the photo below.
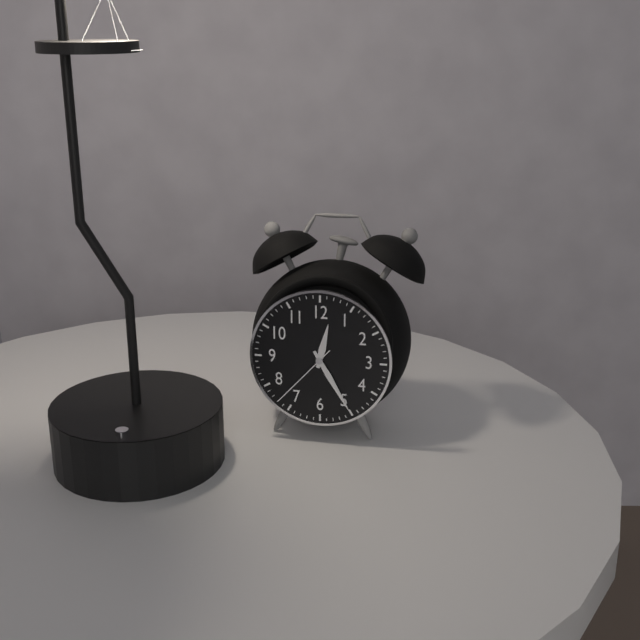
12:25:37
